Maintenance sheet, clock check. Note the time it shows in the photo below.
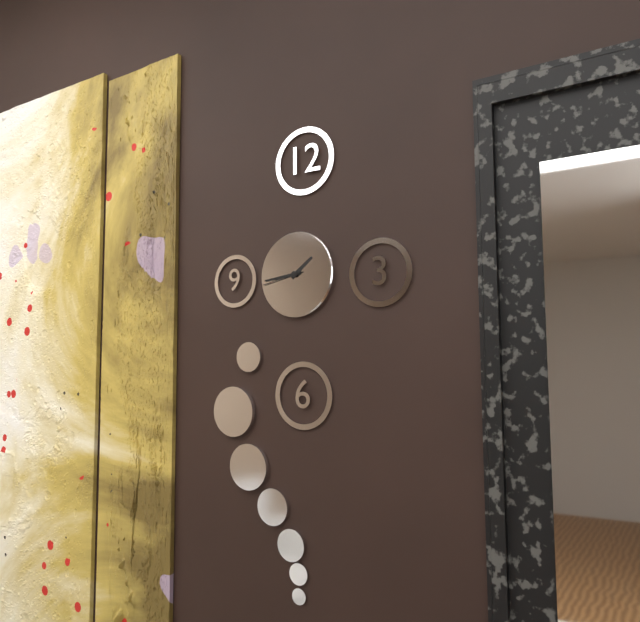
1:44
